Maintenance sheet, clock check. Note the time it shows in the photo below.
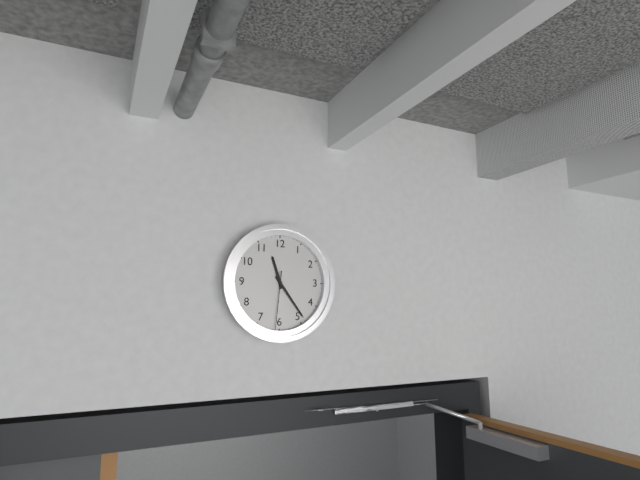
11:24:31
